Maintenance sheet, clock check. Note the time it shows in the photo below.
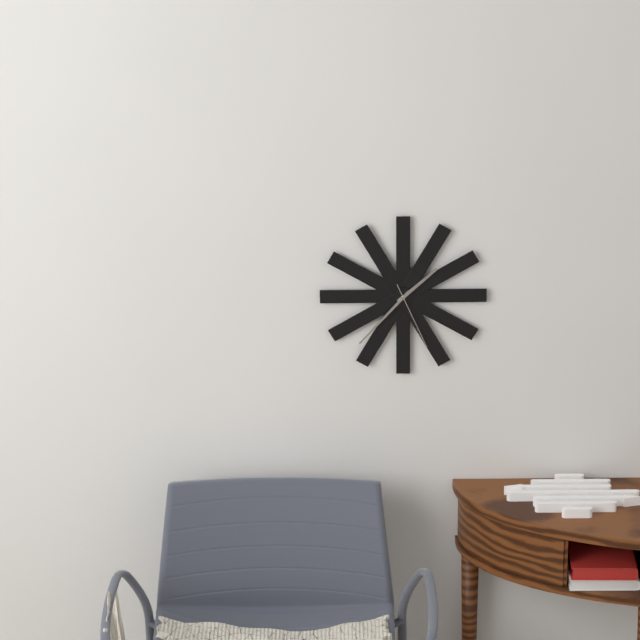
1:37:26
